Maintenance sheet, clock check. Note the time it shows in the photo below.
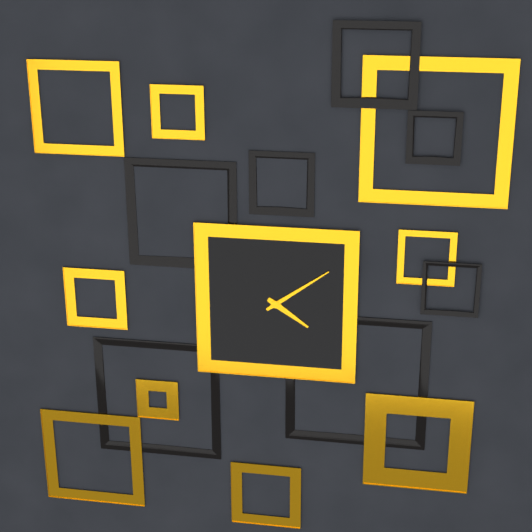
4:09
